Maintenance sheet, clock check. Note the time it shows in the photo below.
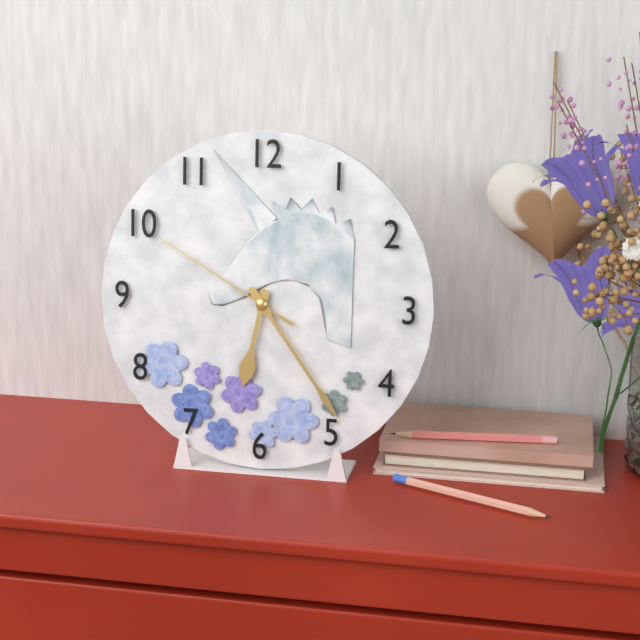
6:24:50
